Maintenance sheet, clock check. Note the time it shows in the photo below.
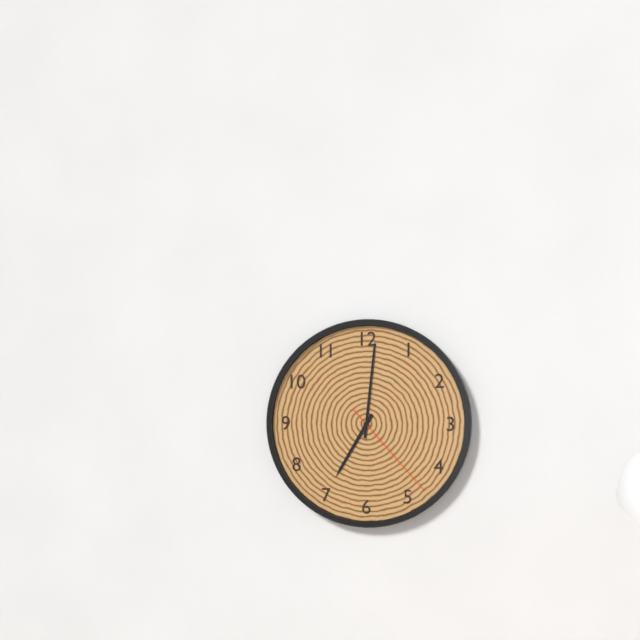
7:01:23
